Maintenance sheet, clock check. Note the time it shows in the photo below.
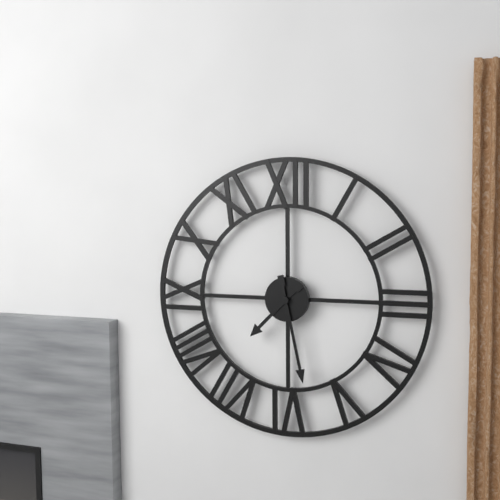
7:28
